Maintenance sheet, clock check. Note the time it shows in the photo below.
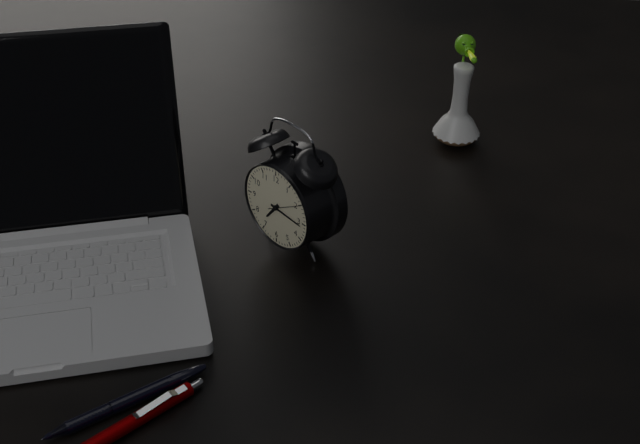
7:16
